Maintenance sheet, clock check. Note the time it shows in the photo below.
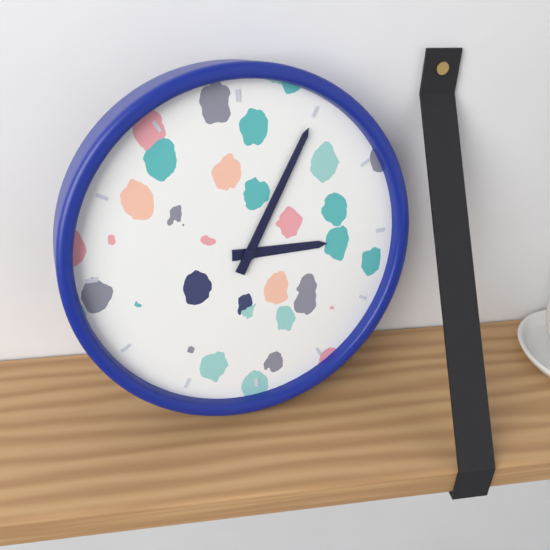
3:05
